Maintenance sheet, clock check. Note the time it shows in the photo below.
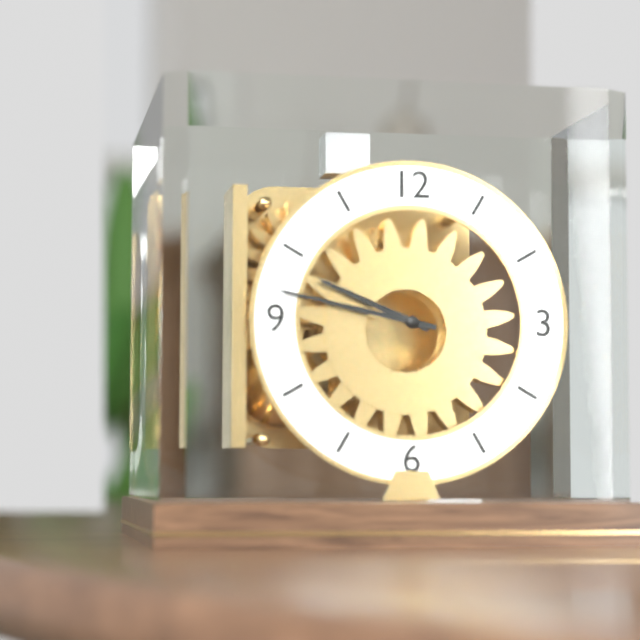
9:47
